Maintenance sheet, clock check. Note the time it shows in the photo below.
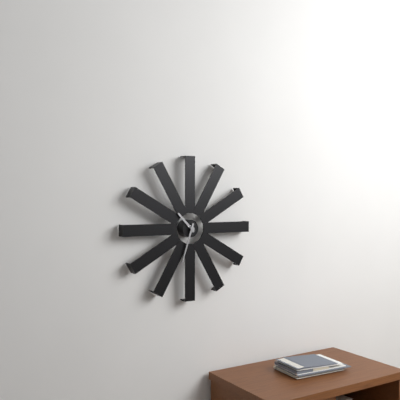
10:33
